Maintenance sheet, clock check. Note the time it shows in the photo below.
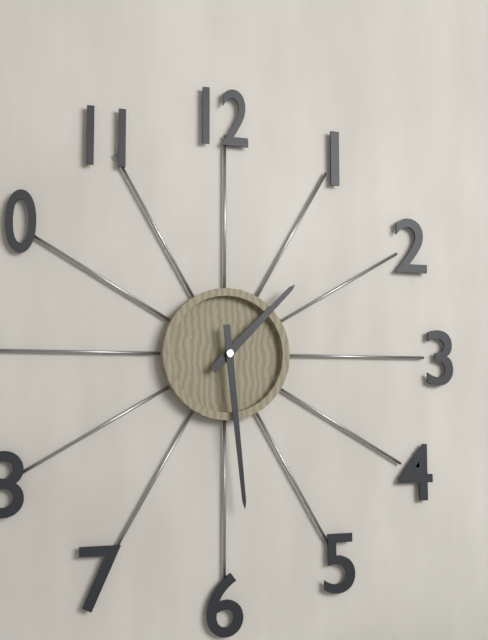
1:29
